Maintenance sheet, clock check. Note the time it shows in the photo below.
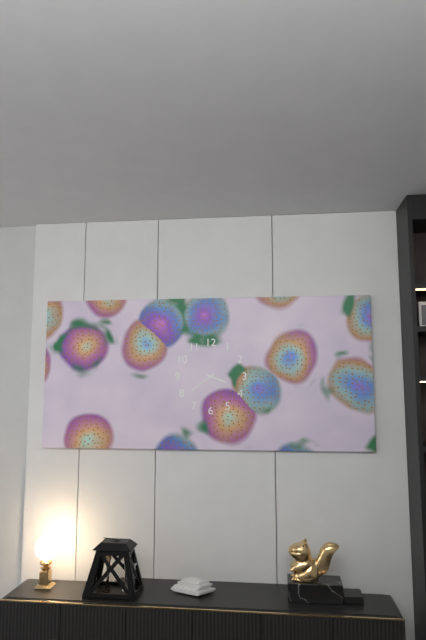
3:39
